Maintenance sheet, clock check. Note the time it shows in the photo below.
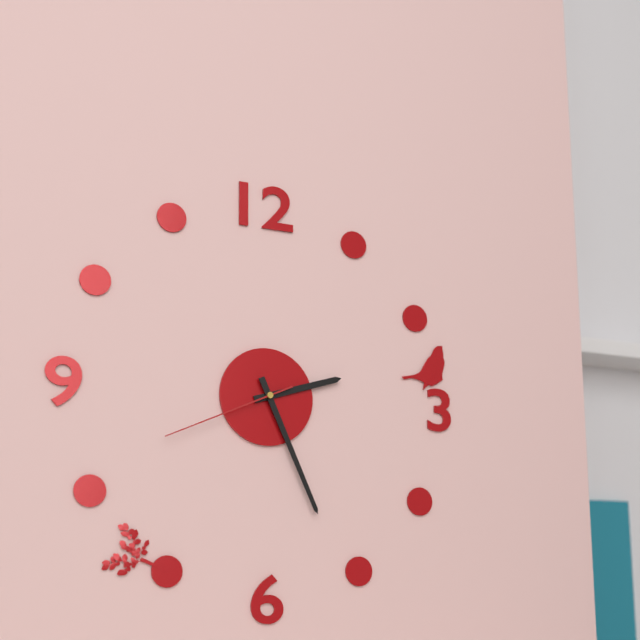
2:26:41
